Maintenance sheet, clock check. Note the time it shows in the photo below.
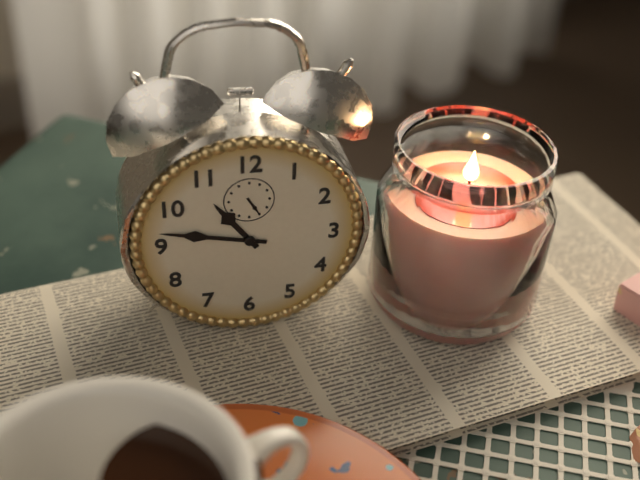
10:47
